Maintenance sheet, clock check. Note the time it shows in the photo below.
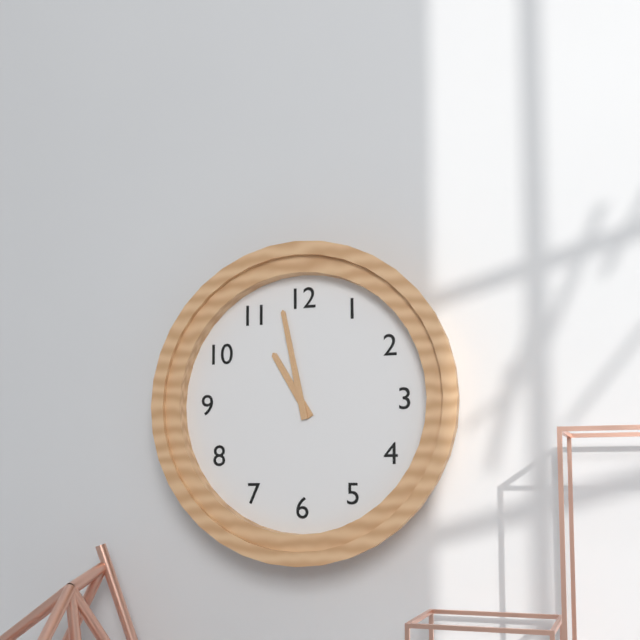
10:58
